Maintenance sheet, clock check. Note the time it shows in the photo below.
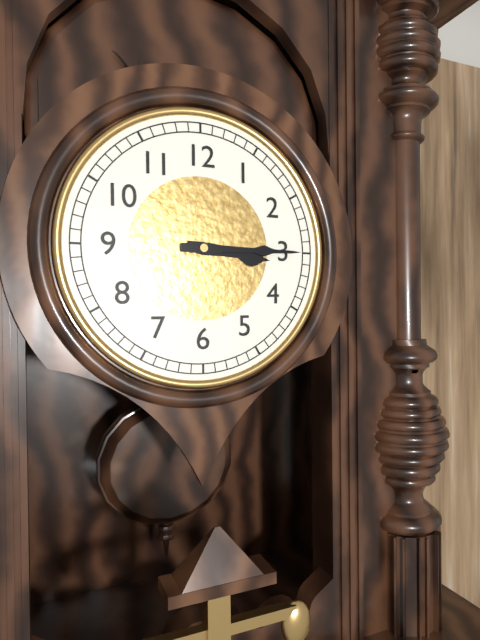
3:15
